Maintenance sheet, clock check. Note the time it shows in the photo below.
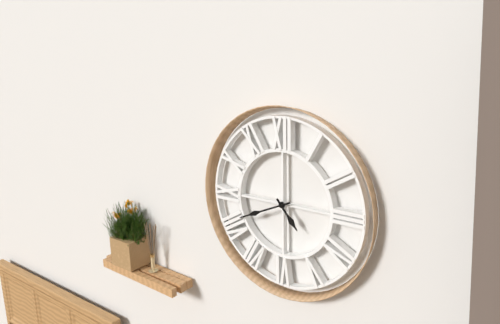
4:41
